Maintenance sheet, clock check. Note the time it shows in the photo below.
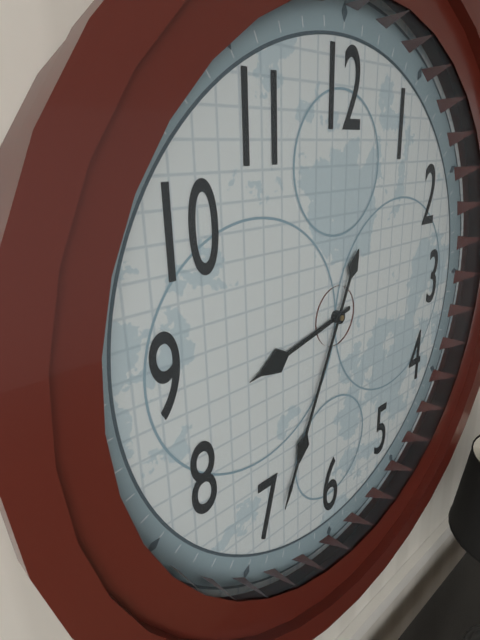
8:34
